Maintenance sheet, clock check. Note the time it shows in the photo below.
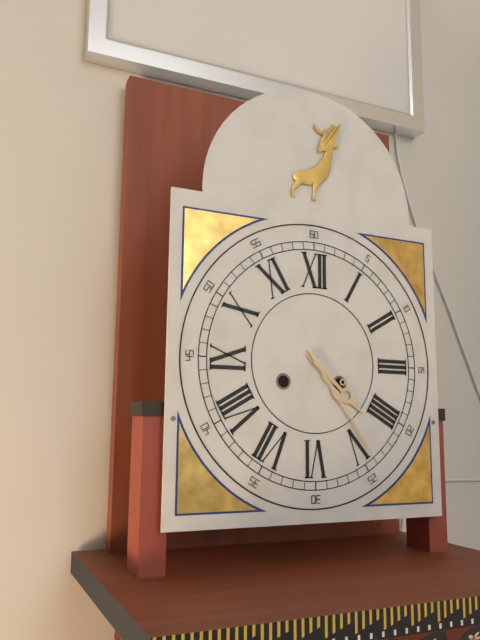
4:24
